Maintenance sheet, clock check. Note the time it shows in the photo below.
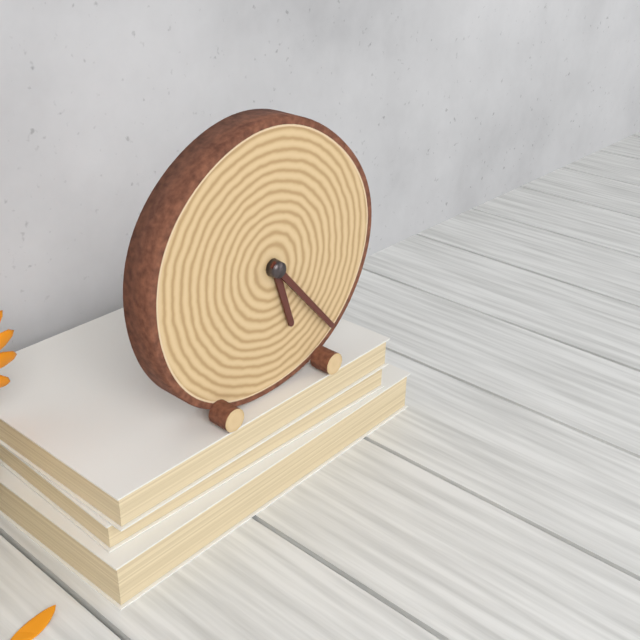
5:23
